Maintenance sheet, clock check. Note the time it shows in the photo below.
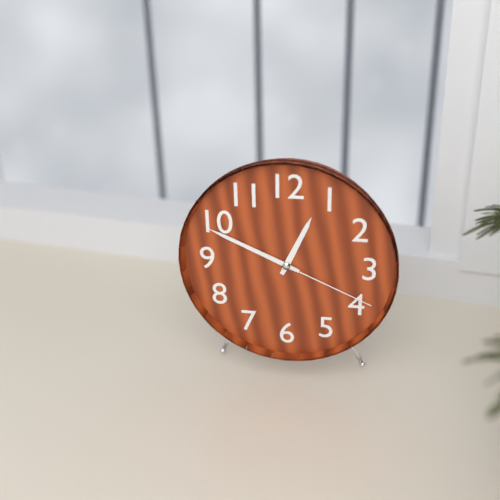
12:49:19
